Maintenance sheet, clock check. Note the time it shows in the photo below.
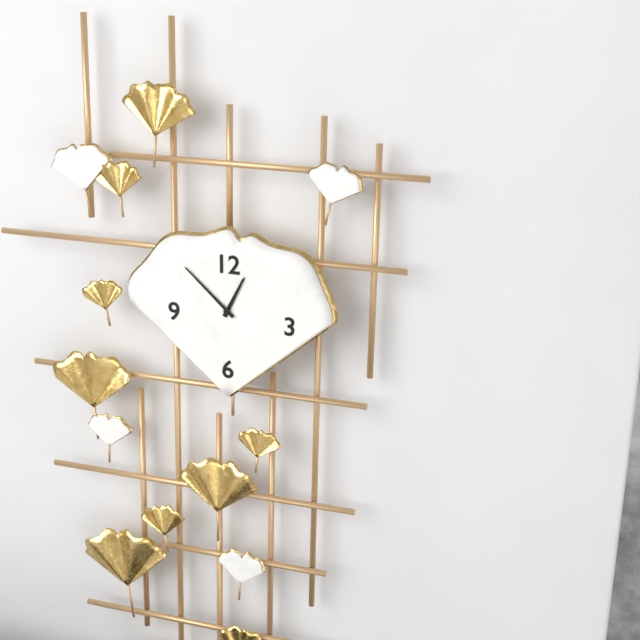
12:52
